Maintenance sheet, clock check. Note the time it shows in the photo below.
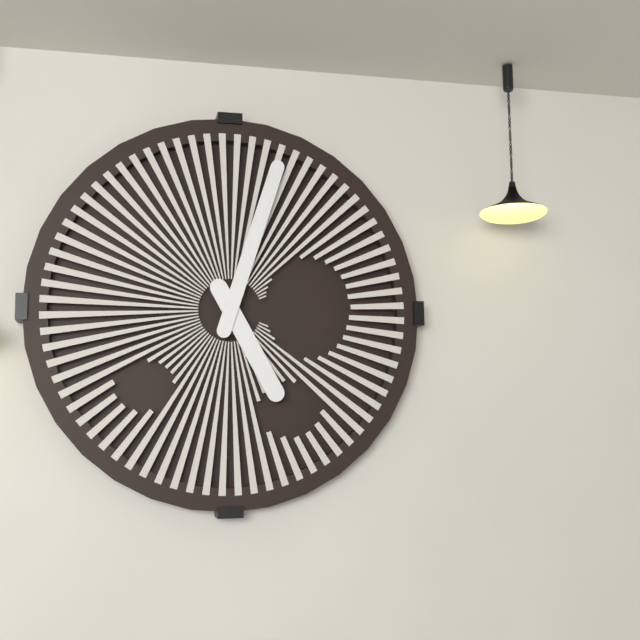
5:03
